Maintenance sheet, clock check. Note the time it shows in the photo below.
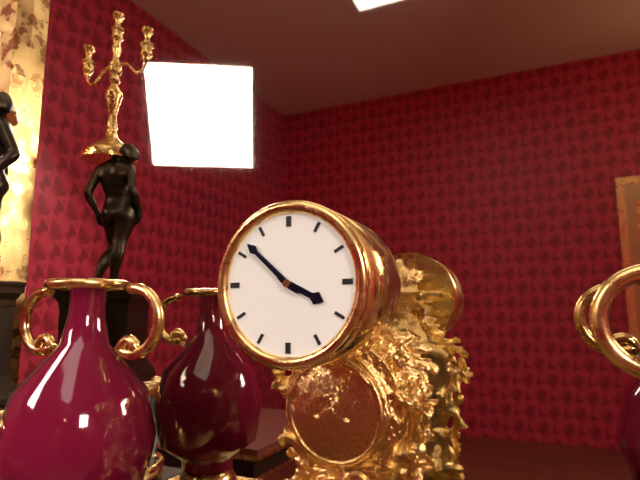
3:52
